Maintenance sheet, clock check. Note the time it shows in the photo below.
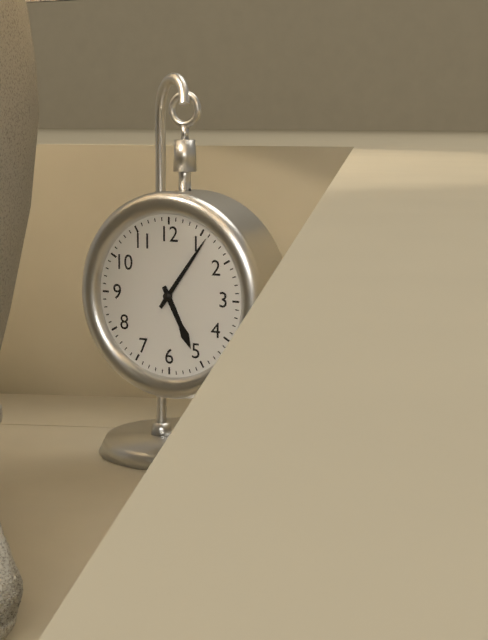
5:06
